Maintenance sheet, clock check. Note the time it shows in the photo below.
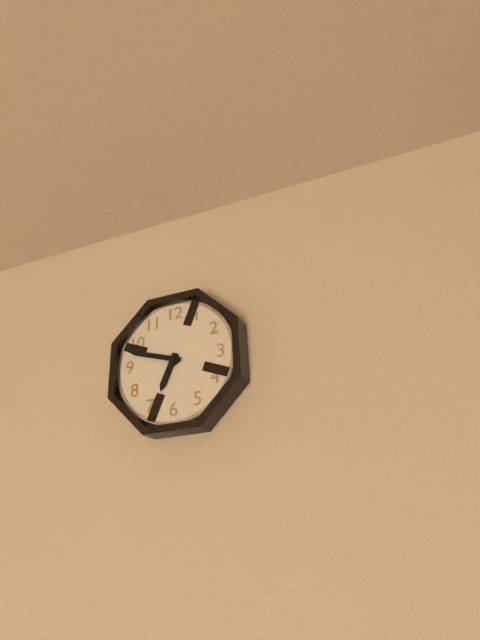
6:48
